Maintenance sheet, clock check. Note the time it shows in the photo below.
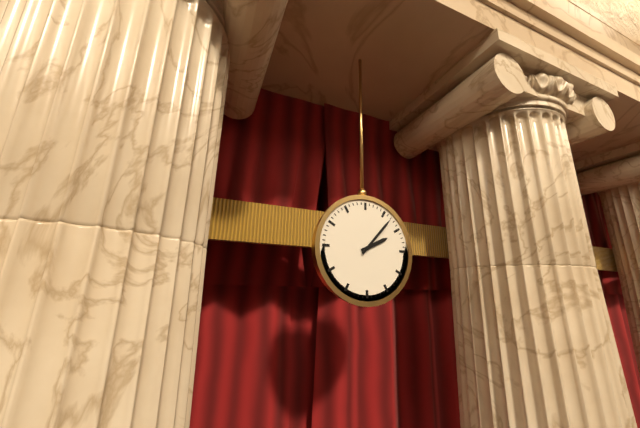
2:07
